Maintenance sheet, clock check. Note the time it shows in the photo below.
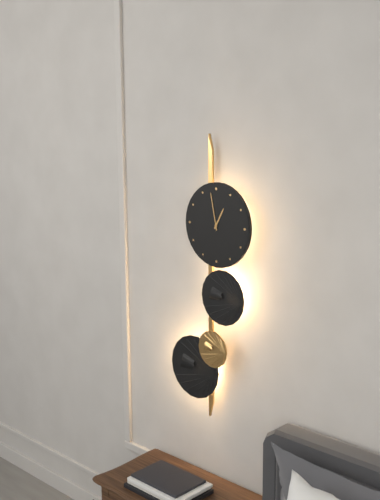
12:58
